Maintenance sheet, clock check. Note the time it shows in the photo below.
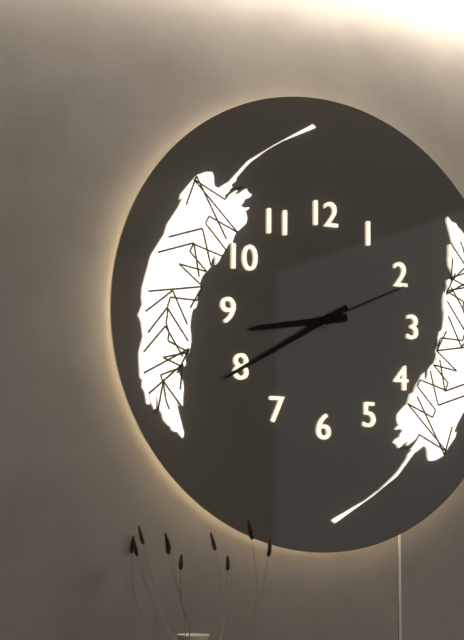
8:40:11
